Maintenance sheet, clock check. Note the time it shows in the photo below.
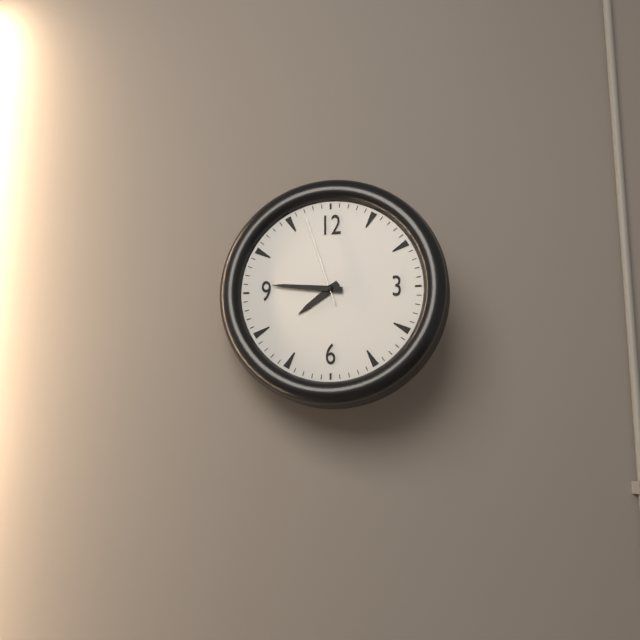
7:46:57
